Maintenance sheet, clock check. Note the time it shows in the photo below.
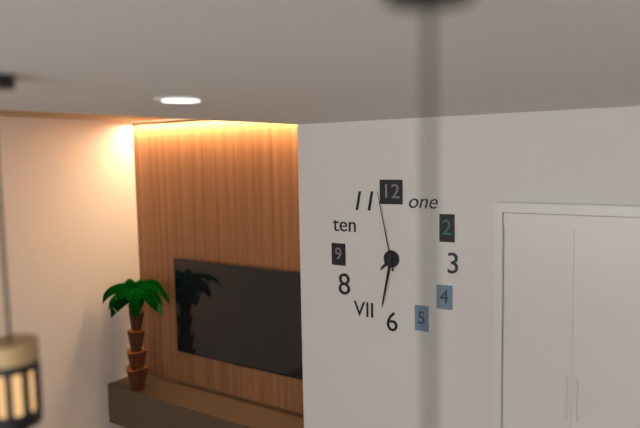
7:32:58
